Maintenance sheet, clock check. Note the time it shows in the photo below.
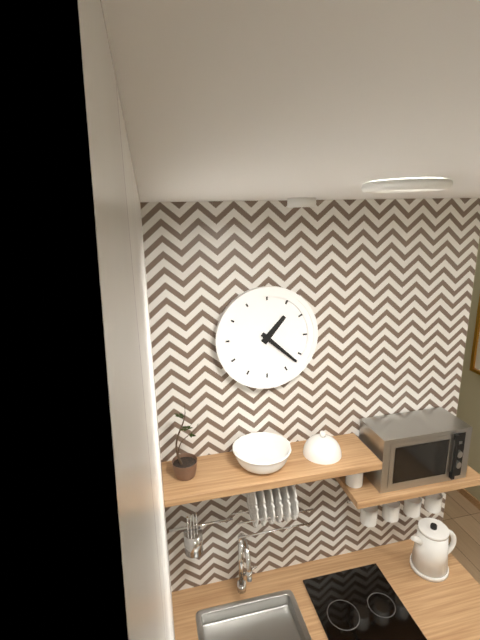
1:22
